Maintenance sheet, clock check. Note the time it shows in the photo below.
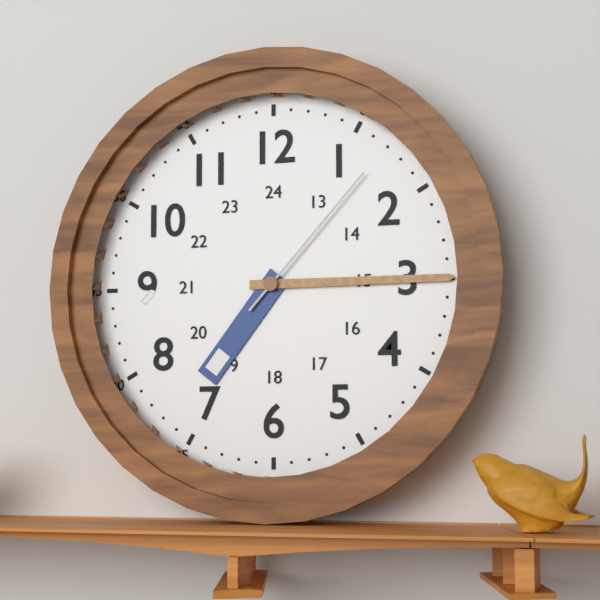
7:15:07
